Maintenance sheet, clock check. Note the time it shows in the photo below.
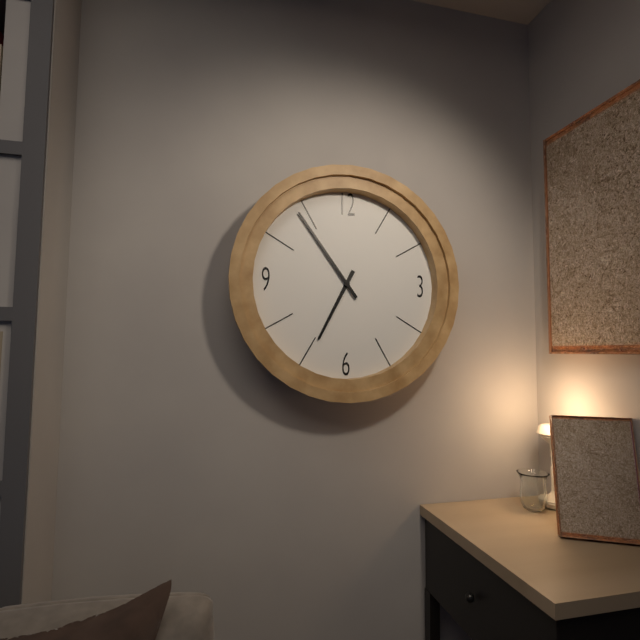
6:54
